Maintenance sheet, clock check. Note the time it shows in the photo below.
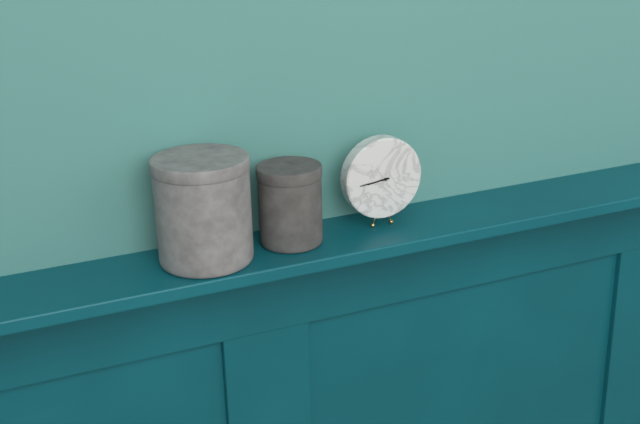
8:44
